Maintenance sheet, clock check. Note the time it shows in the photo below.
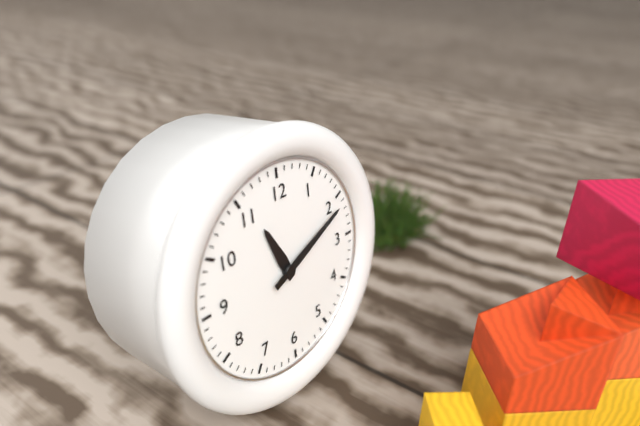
11:11
